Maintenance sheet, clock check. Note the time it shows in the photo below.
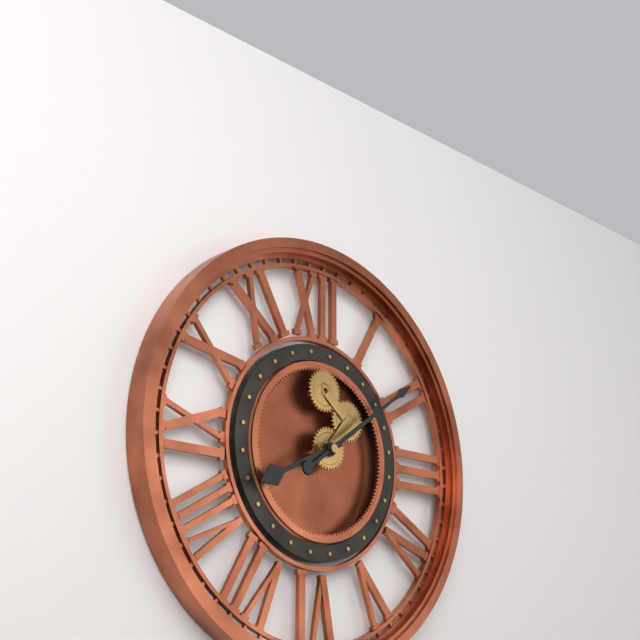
8:09
